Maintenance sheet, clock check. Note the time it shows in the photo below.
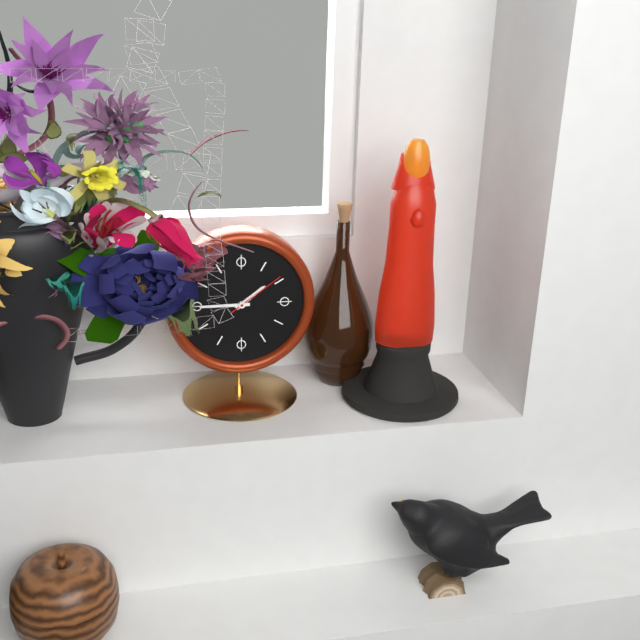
1:45:09
